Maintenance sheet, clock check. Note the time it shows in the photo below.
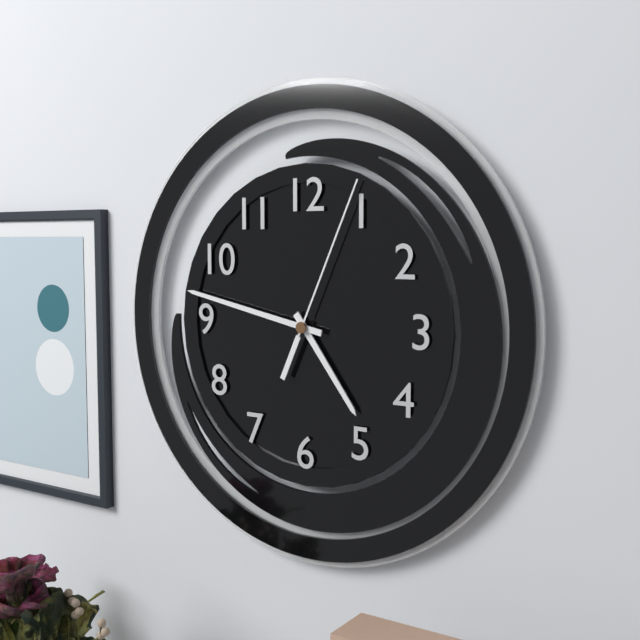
4:47:04
